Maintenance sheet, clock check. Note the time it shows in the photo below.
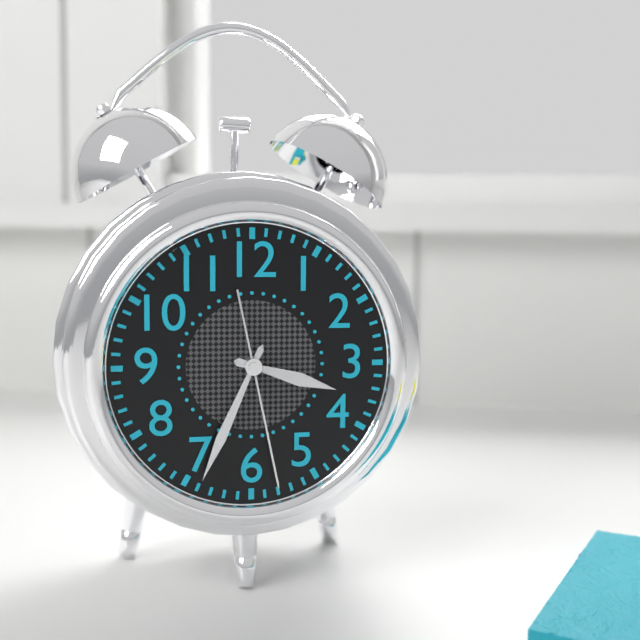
3:34:28
